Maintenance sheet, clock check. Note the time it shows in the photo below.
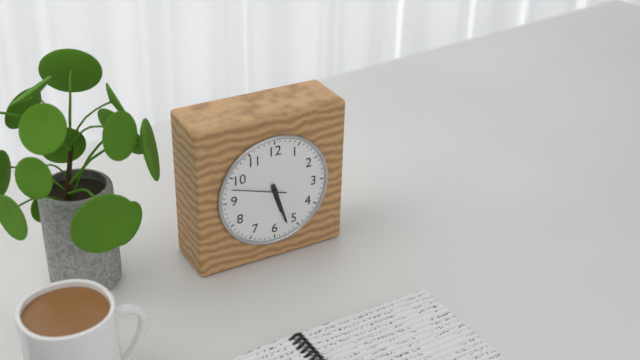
5:27:48
